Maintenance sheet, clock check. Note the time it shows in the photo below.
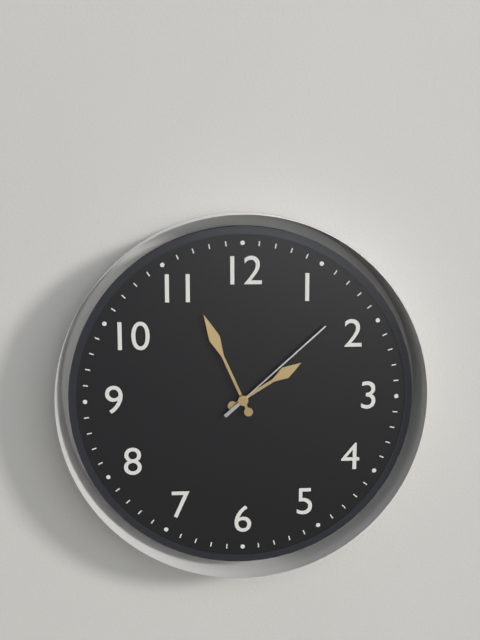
1:56:08
